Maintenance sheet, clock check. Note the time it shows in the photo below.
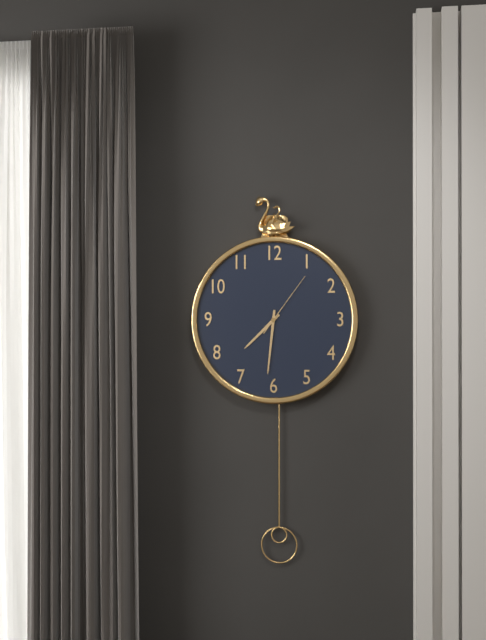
7:31:06
